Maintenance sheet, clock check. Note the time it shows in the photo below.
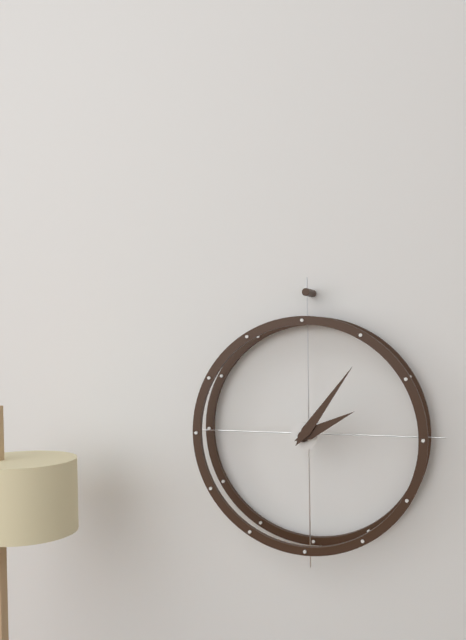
2:06
